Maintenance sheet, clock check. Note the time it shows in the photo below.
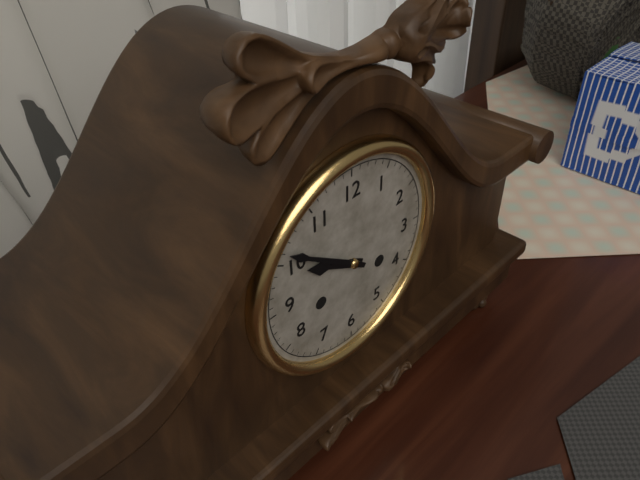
9:51
